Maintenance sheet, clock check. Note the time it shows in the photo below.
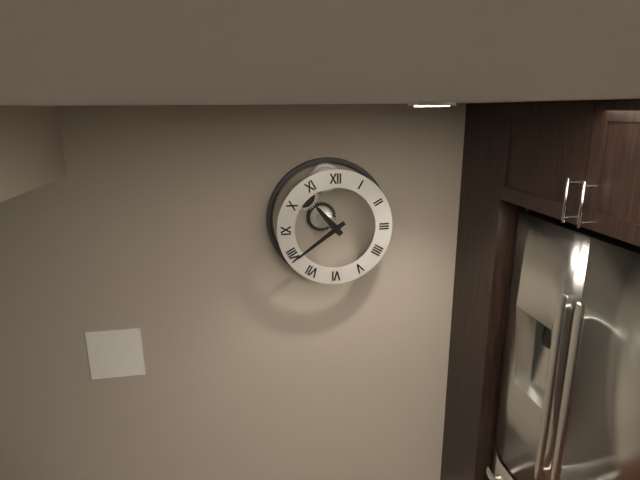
10:39
